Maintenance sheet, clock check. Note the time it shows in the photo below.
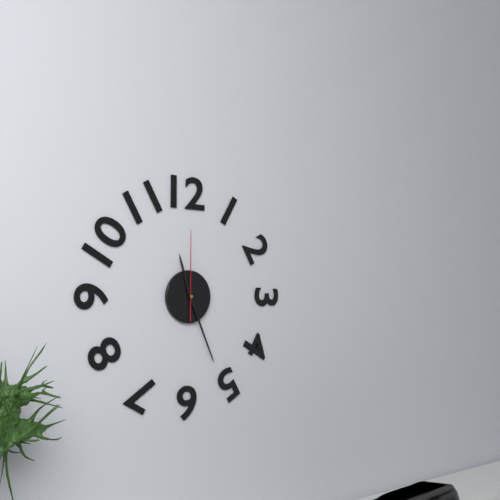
11:26:00
